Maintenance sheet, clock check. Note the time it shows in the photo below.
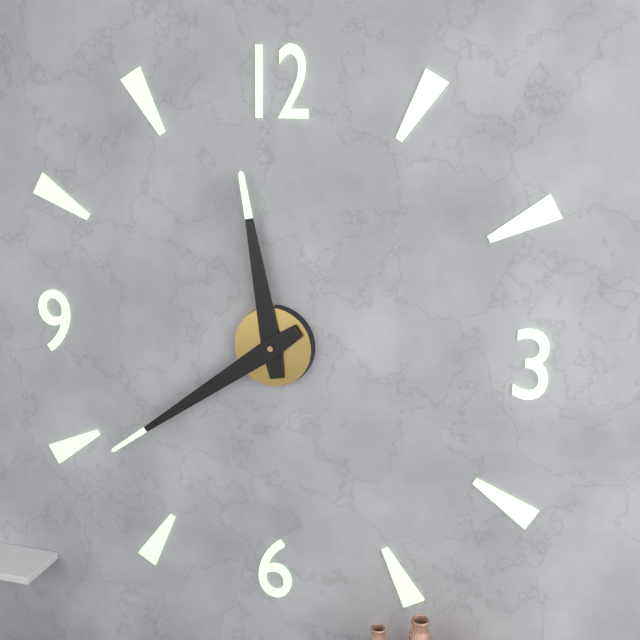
11:39
